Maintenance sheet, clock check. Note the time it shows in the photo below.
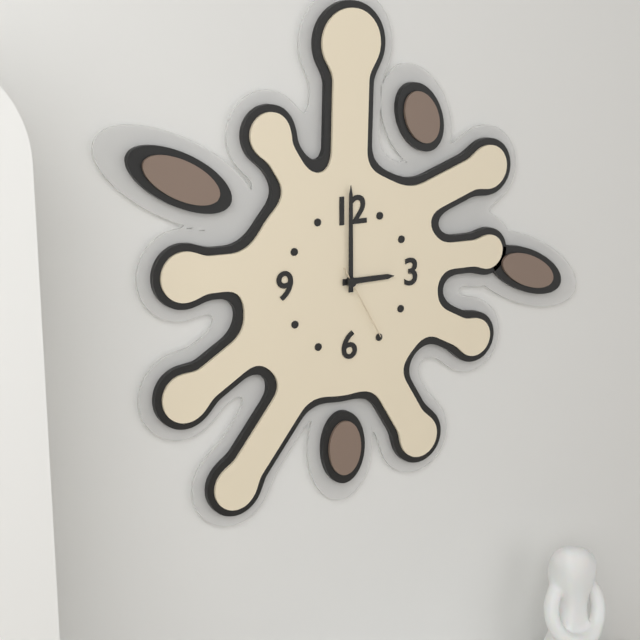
3:00:25
